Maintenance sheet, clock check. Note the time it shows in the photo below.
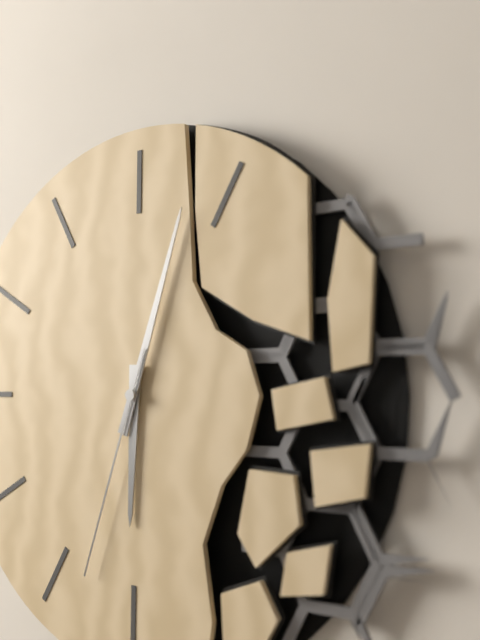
6:03:33
